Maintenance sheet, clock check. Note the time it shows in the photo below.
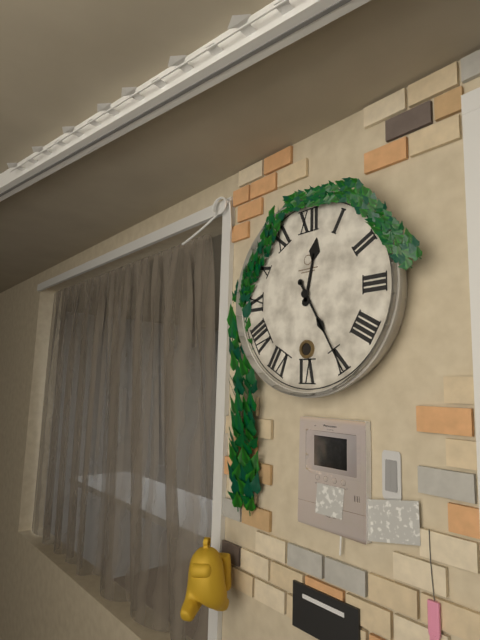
12:25
